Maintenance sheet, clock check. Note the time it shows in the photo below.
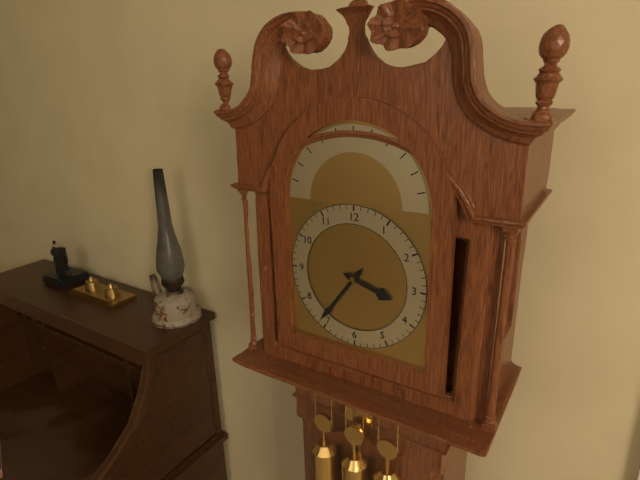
3:36
